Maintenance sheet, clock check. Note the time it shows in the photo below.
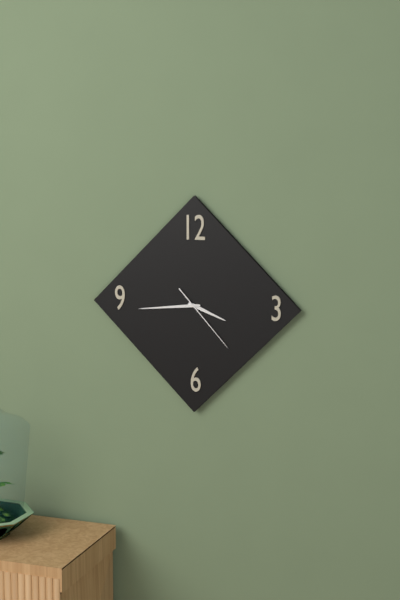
3:44:23
